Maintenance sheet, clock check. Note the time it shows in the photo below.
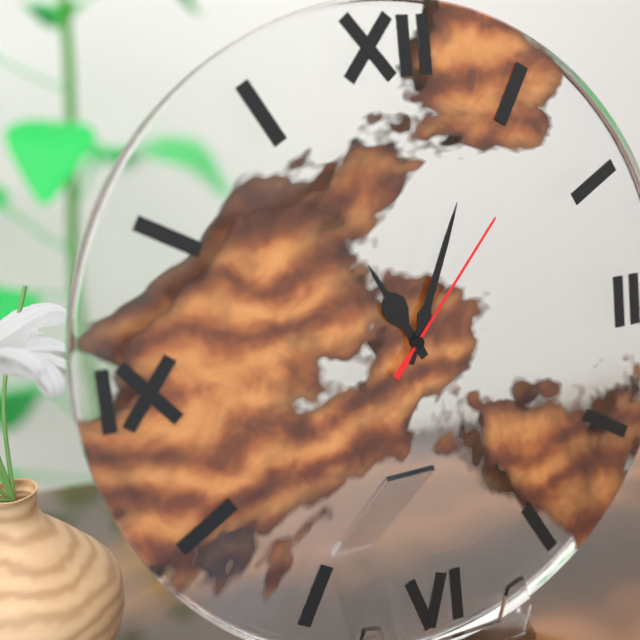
11:04:07
